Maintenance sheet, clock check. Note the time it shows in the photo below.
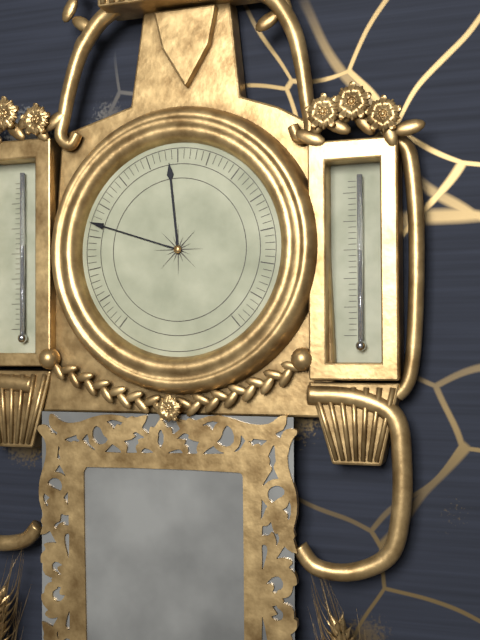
11:48
